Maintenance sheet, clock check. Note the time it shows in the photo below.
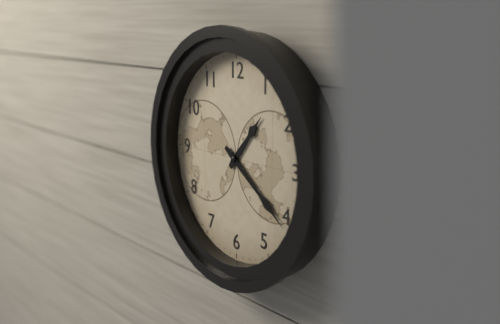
1:21
